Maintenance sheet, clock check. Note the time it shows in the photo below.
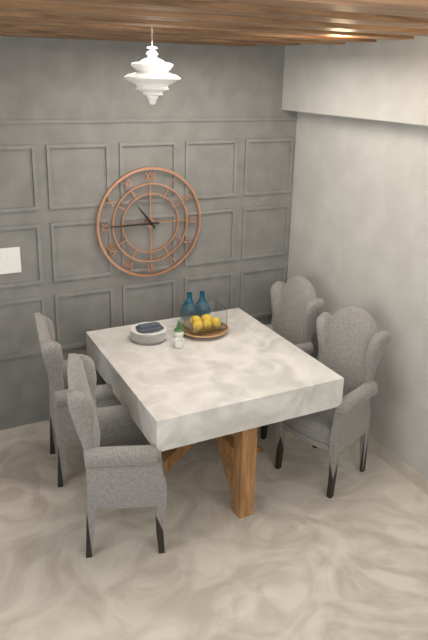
10:45
